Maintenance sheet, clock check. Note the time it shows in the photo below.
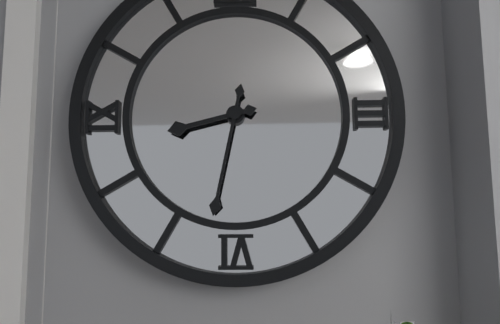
8:32
